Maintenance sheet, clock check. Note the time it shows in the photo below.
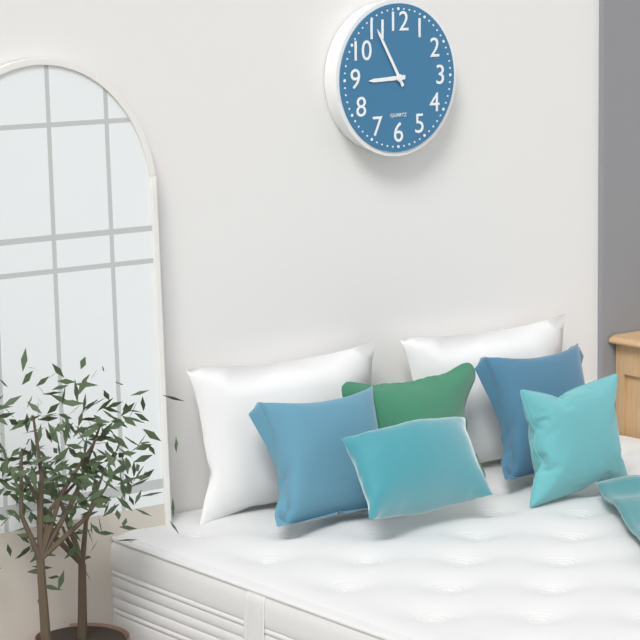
8:55
